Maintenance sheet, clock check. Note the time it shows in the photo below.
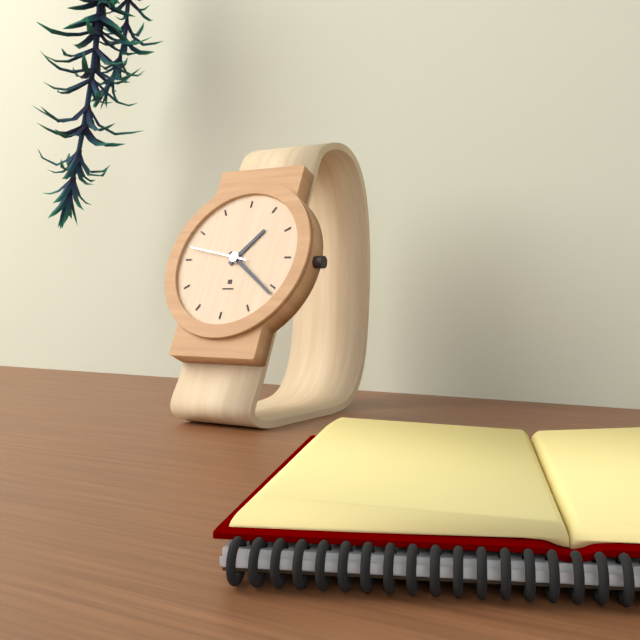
1:21:47
